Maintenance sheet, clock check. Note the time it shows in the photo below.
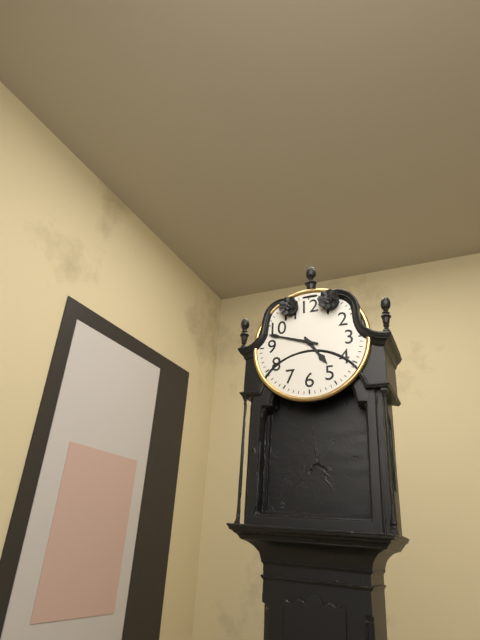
4:48
